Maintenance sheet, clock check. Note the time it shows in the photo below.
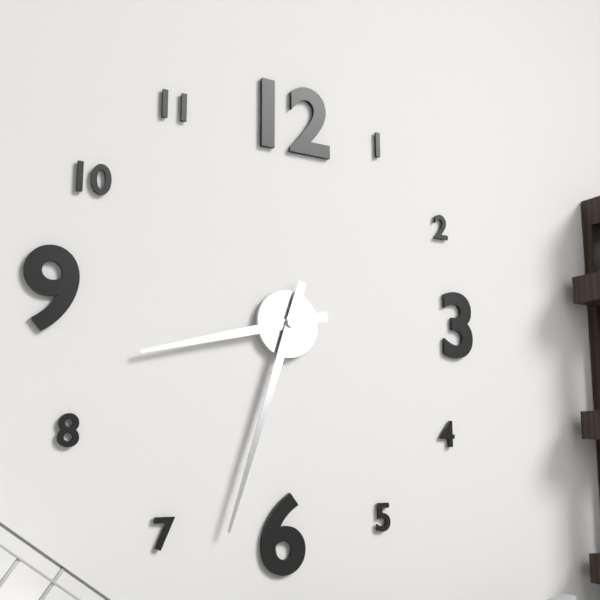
8:33
